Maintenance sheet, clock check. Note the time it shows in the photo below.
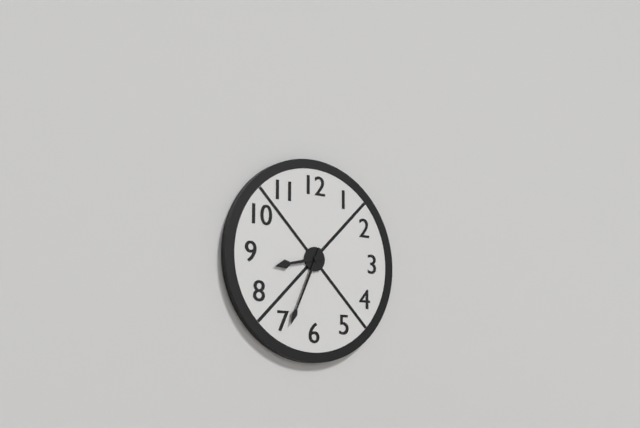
8:34
